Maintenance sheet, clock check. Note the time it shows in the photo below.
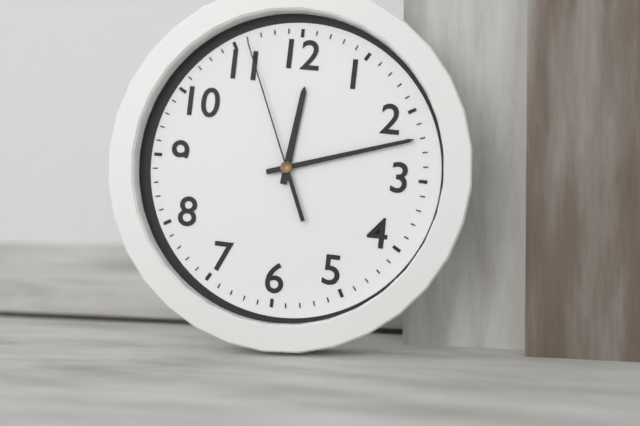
12:12:56
